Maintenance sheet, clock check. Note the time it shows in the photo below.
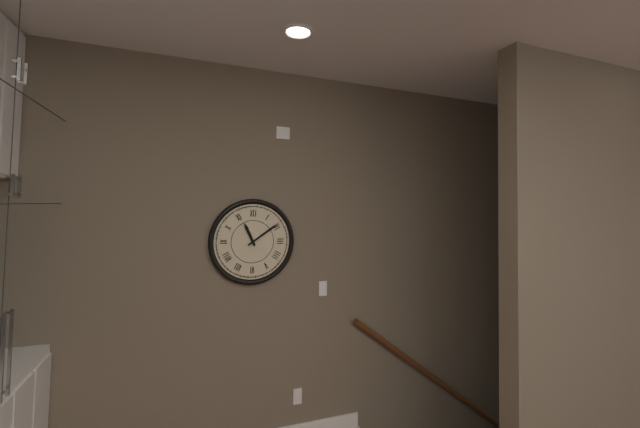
11:09
